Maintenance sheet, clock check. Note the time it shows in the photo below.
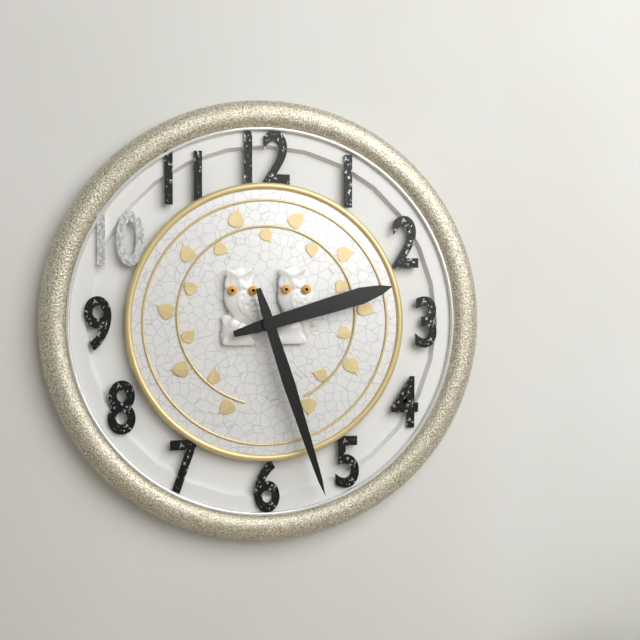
2:27
